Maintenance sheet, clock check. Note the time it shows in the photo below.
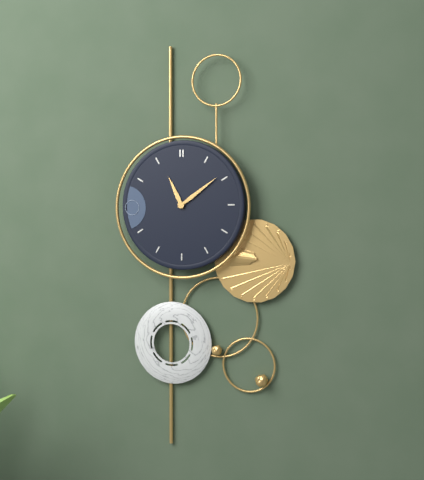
11:09
